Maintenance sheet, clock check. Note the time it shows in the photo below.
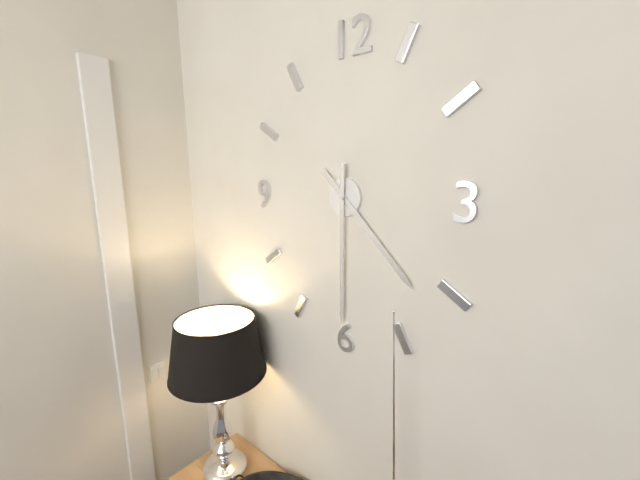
4:30
